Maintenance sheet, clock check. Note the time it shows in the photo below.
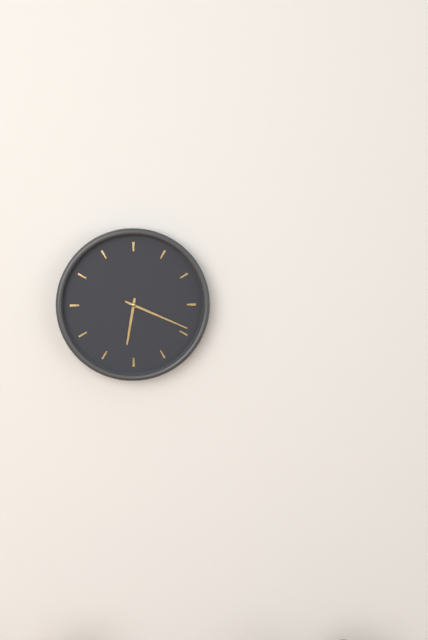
6:19
